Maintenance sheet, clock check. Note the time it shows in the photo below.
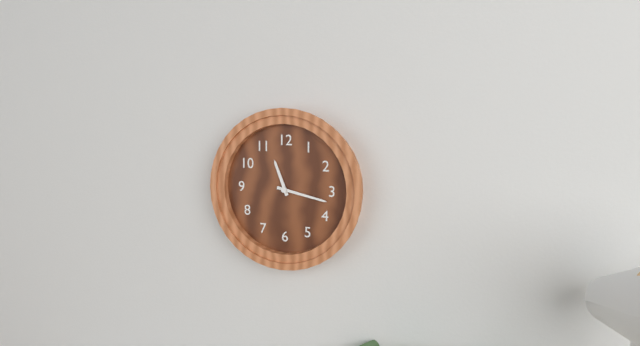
11:17
